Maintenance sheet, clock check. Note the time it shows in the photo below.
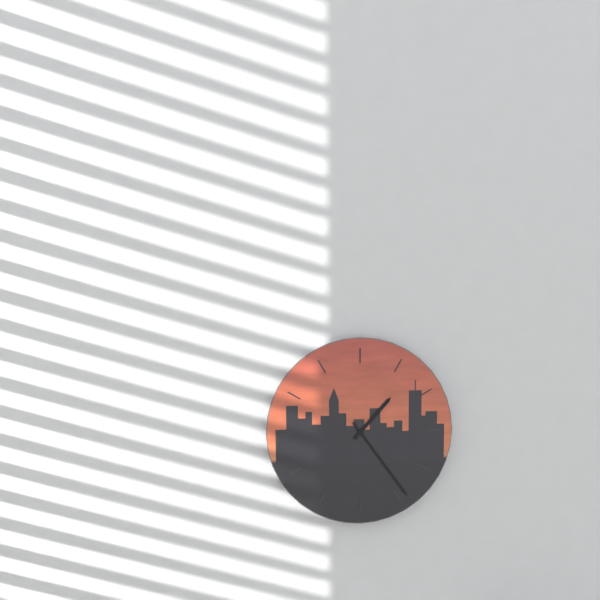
1:24
